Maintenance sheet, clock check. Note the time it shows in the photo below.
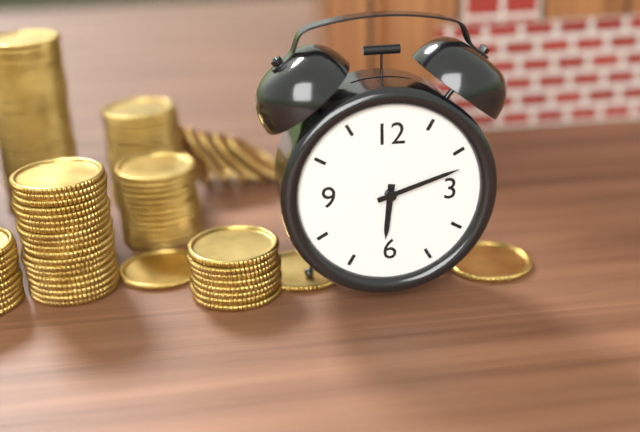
6:12
